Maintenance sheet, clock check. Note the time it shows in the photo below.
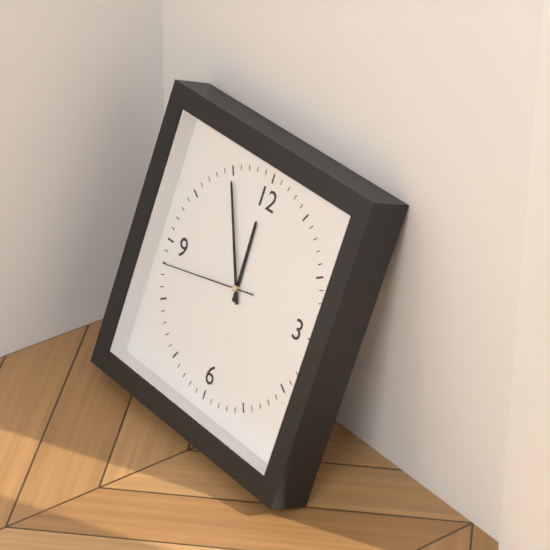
11:55:43
